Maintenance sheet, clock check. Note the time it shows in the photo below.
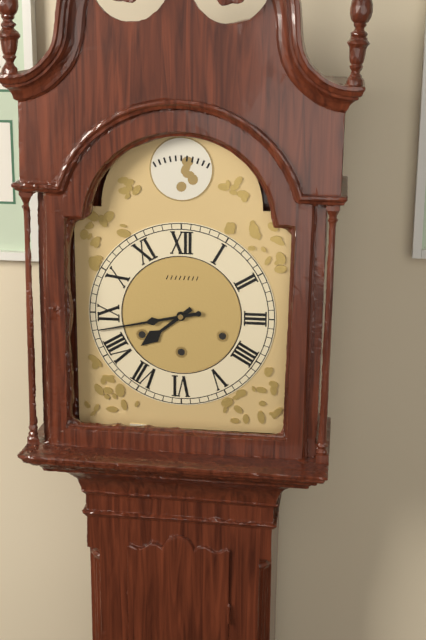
7:43
